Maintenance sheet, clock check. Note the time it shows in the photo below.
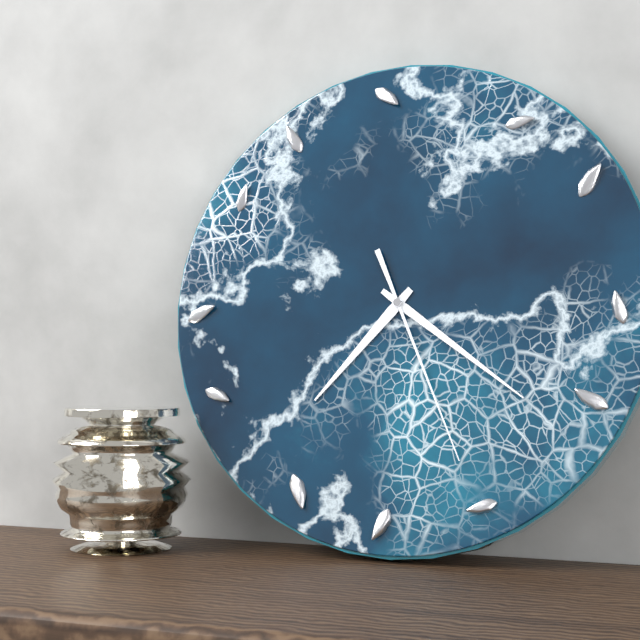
7:21:26
